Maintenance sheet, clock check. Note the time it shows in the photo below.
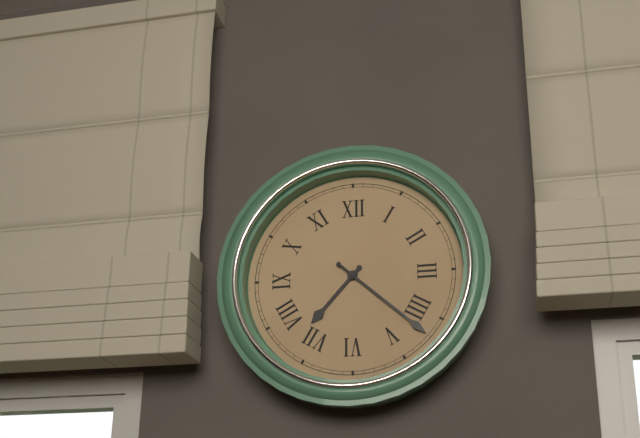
7:22
